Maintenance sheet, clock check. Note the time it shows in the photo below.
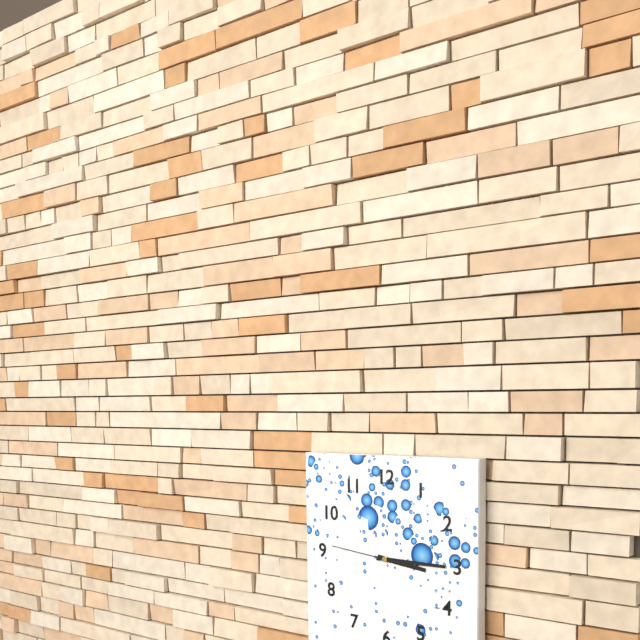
3:15:46
